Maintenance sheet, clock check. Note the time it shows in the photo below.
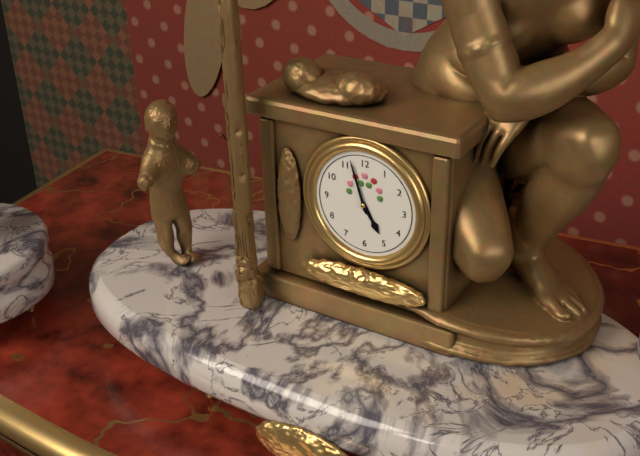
4:57
